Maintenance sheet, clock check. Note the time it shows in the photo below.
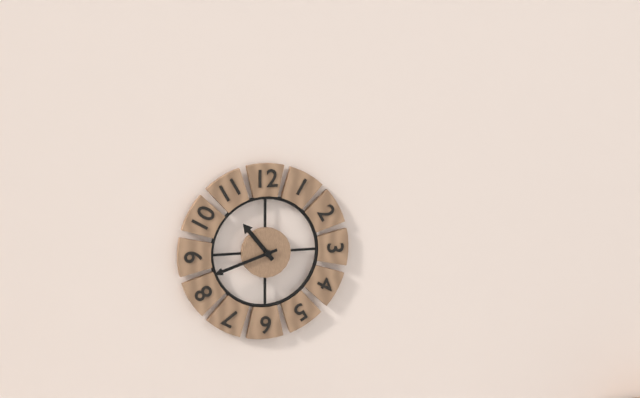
10:42
